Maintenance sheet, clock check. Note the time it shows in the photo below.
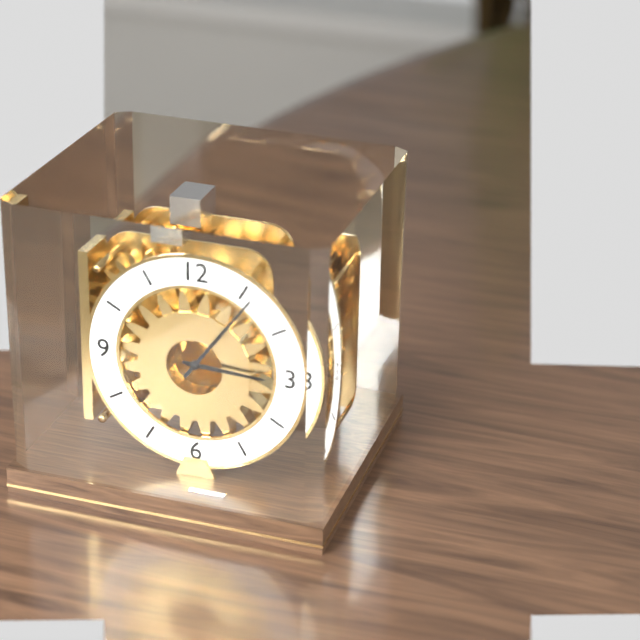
3:06
